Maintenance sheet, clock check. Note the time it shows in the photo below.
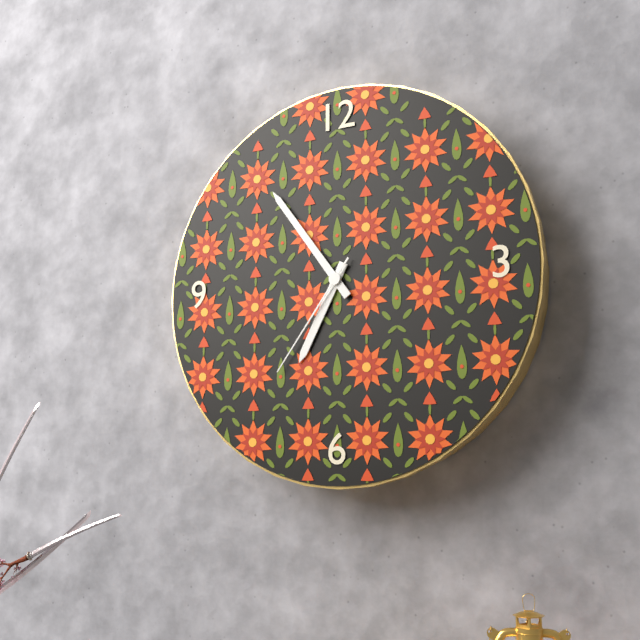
6:54:36
